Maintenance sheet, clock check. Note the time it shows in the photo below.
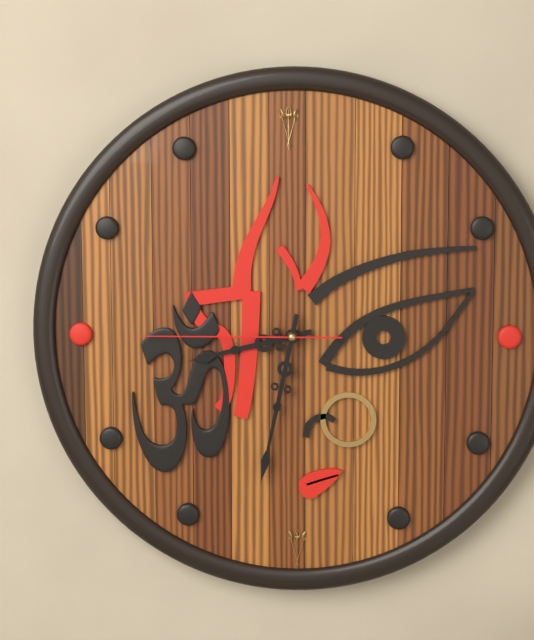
8:32:45
